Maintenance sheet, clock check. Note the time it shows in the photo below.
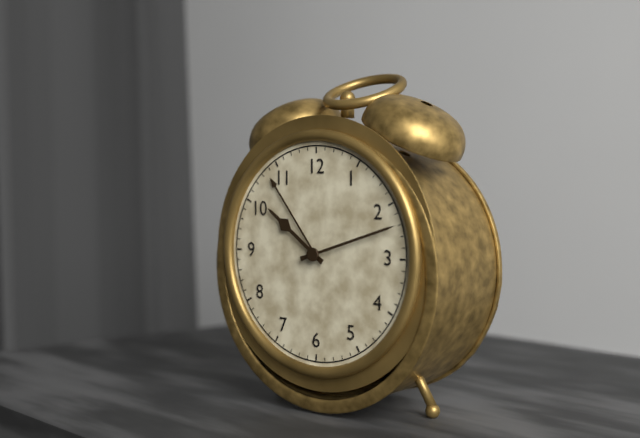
10:12
